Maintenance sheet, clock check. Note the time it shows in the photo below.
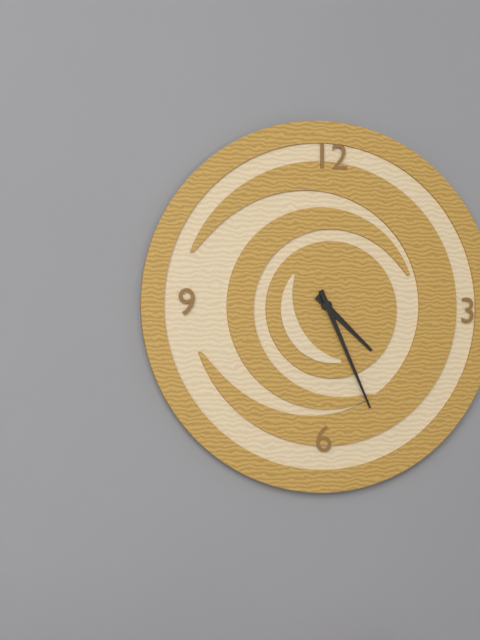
4:26
